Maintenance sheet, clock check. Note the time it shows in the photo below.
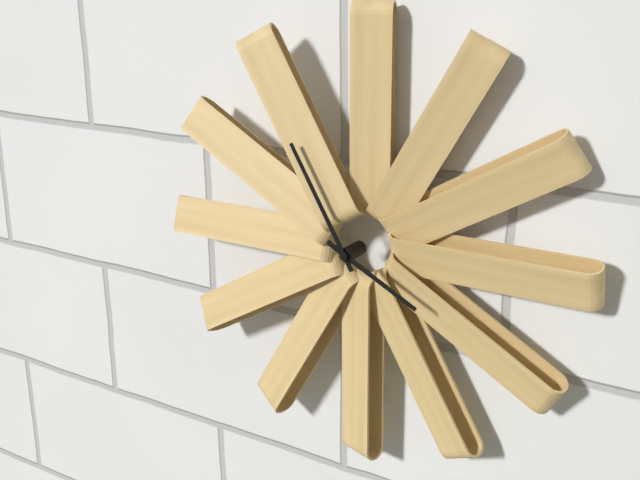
3:55
